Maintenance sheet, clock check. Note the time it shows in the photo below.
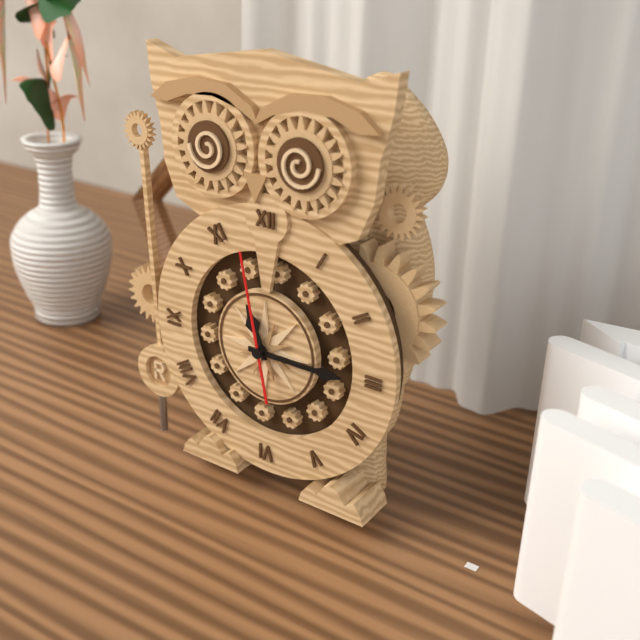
11:15:58
